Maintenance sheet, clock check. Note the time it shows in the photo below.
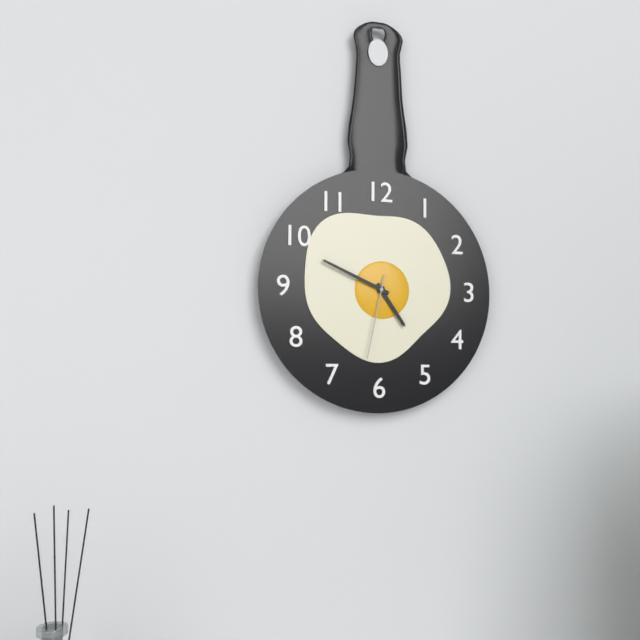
4:49:32
